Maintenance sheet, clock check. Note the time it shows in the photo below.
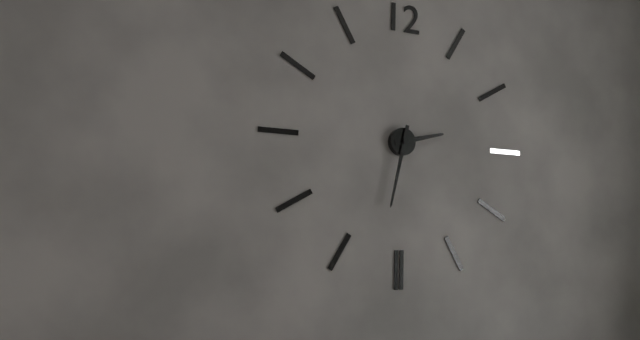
2:32
